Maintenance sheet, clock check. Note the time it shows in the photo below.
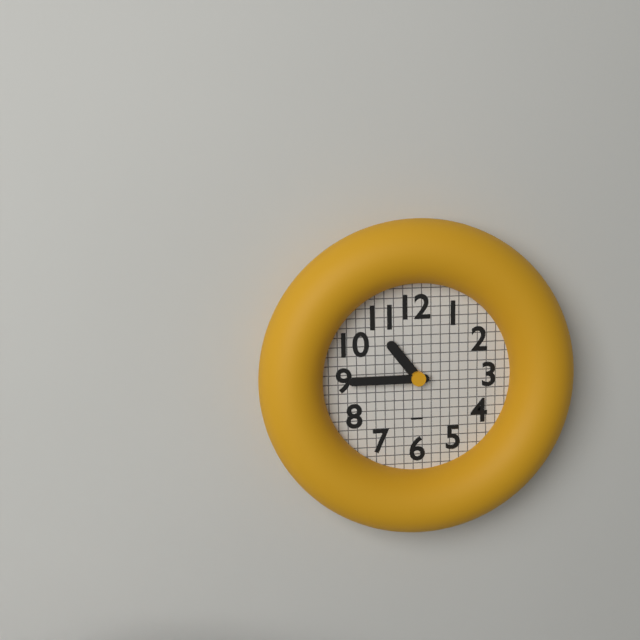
10:45
